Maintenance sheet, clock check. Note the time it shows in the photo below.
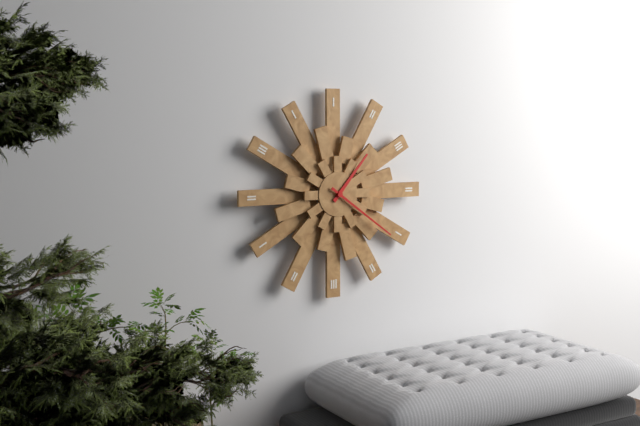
1:21
